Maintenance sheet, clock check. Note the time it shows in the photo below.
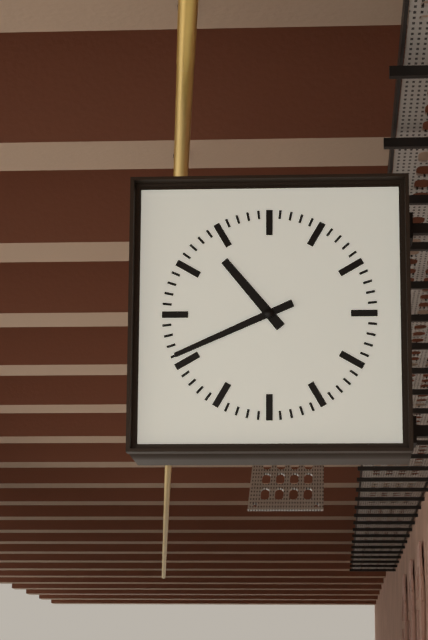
10:41
